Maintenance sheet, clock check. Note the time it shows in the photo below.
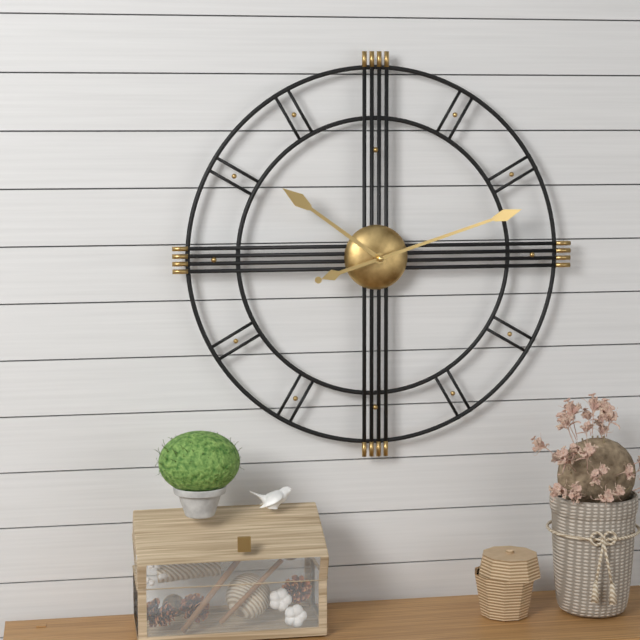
10:12
